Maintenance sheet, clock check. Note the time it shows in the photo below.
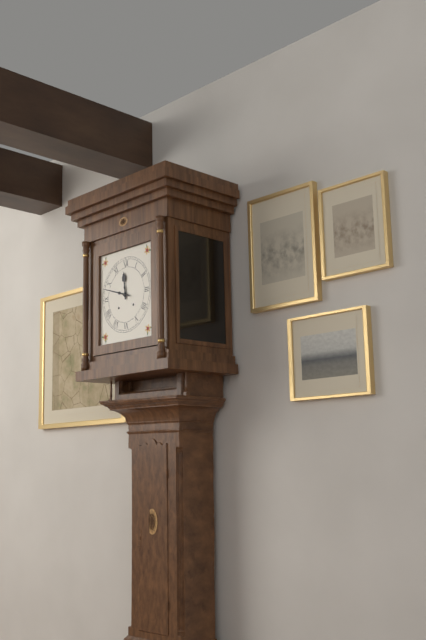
11:48
